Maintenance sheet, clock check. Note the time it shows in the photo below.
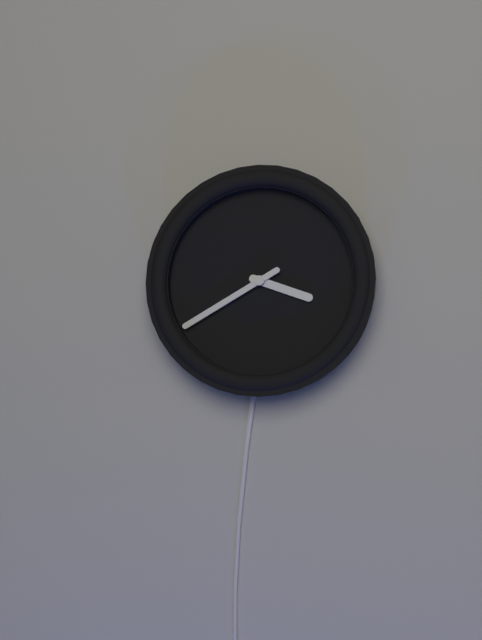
3:40
